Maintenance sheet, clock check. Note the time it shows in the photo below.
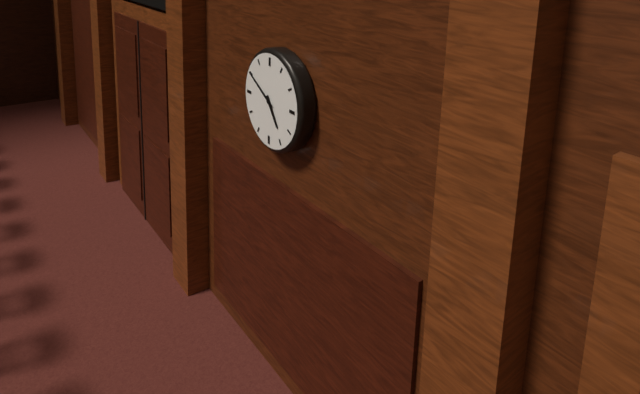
4:50
